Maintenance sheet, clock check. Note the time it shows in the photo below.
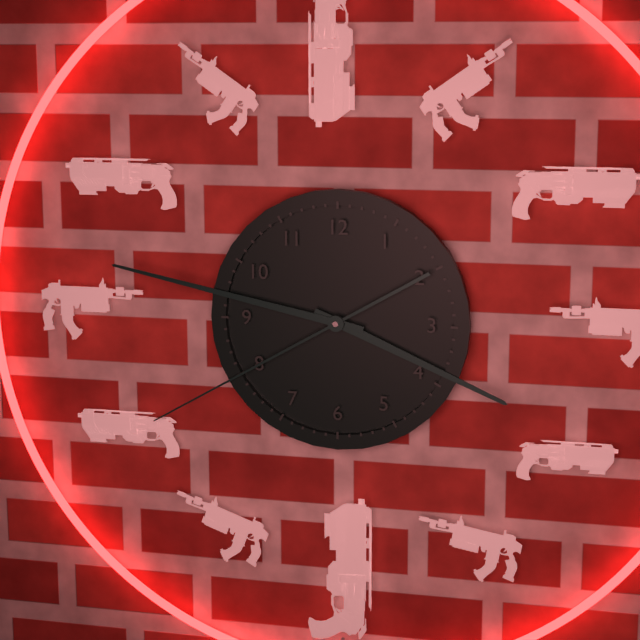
3:47:40
